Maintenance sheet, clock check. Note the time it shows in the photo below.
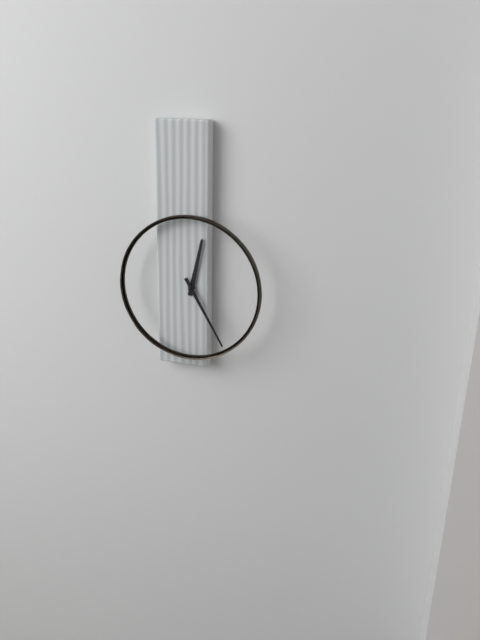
12:25
